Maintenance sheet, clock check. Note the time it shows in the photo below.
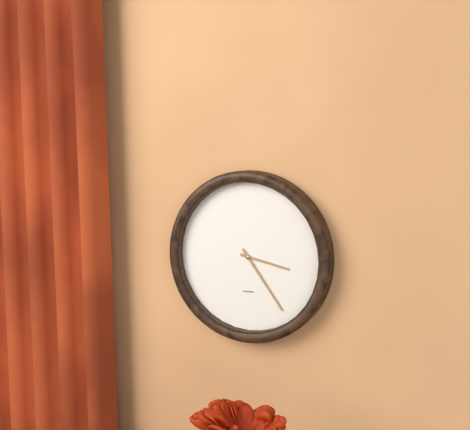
3:24
